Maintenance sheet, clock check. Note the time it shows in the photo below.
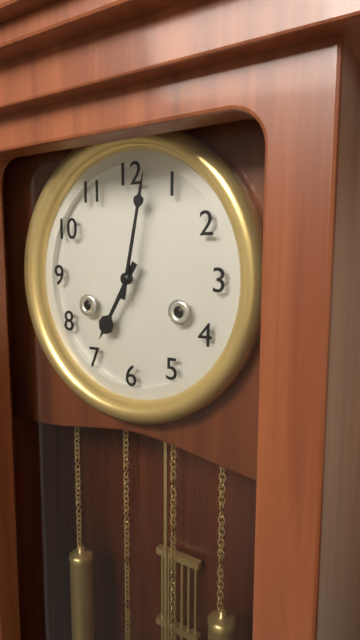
7:02
